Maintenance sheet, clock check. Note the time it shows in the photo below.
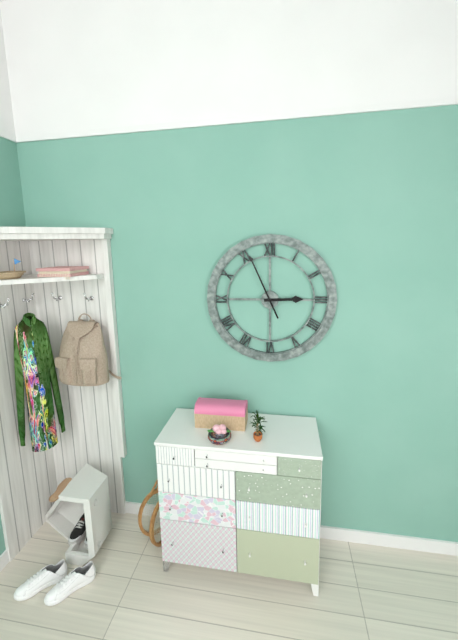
2:56
